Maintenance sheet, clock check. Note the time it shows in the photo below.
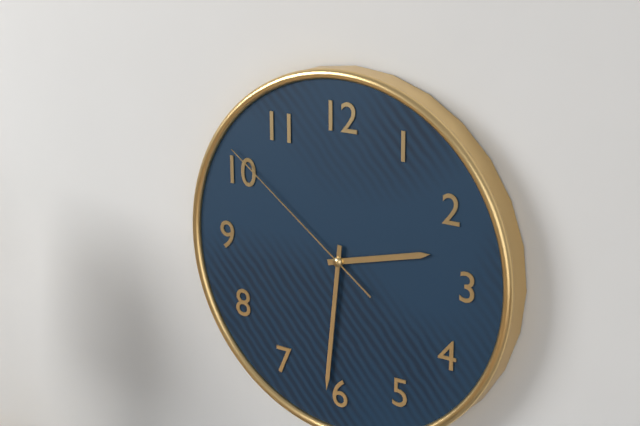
2:31:51
